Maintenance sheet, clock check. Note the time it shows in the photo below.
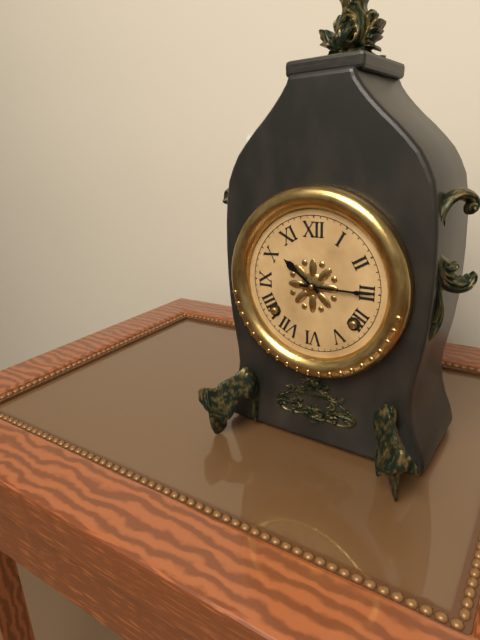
10:15
